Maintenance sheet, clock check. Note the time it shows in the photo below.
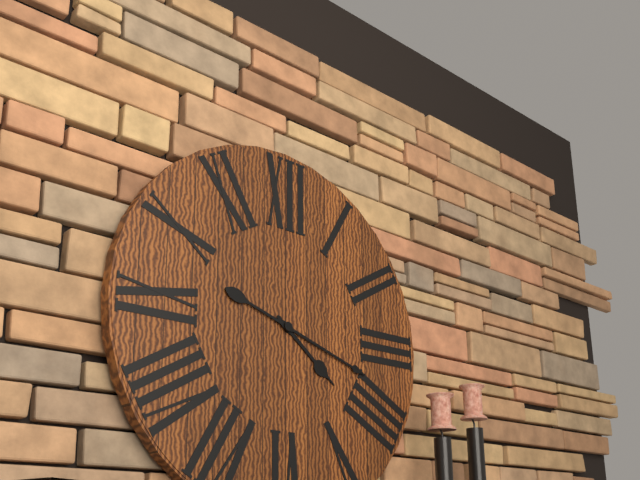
4:18
